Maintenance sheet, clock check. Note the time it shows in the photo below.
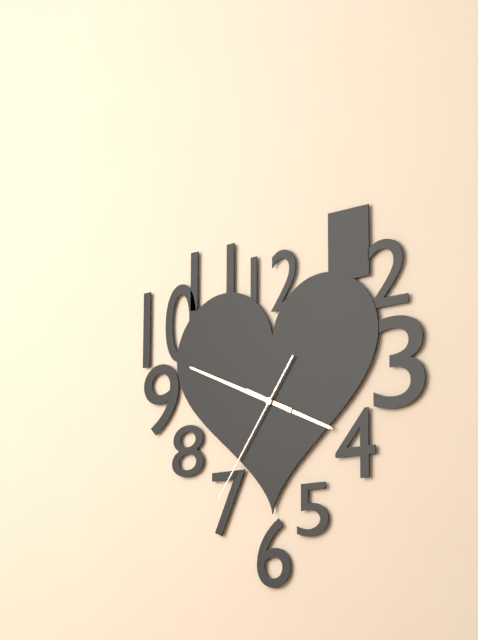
3:49:36
